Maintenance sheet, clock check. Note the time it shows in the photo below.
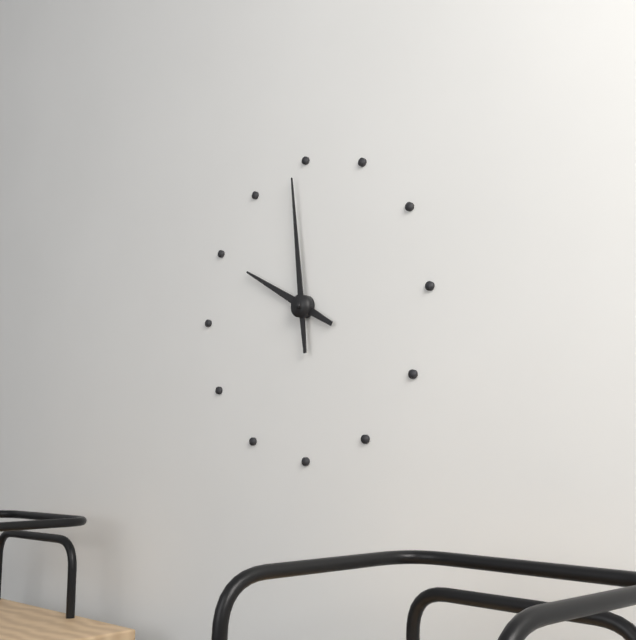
9:59
